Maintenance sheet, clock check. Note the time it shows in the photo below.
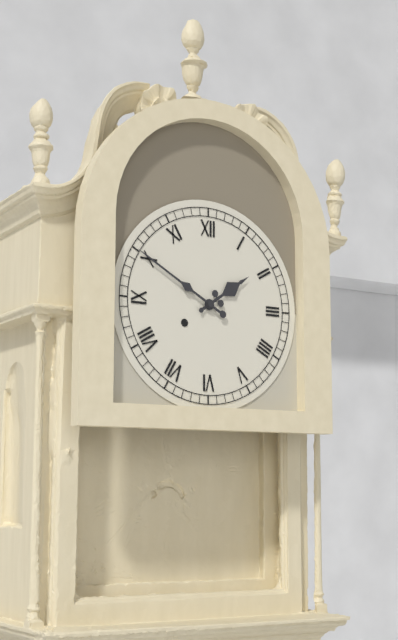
1:50
